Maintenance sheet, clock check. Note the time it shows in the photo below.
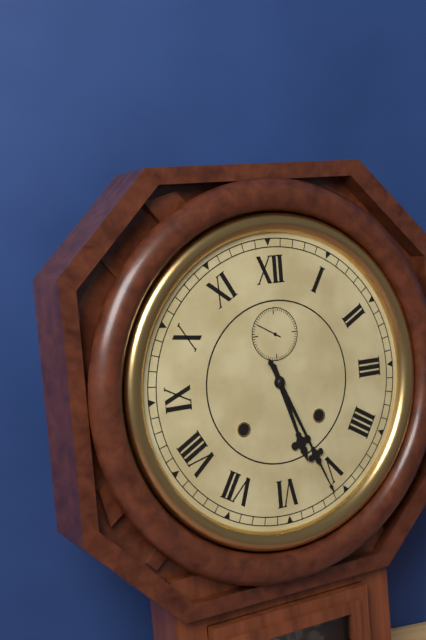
5:26
